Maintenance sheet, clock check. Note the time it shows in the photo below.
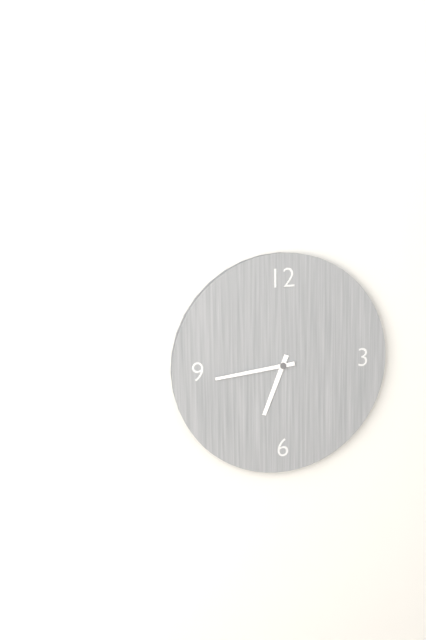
6:44
